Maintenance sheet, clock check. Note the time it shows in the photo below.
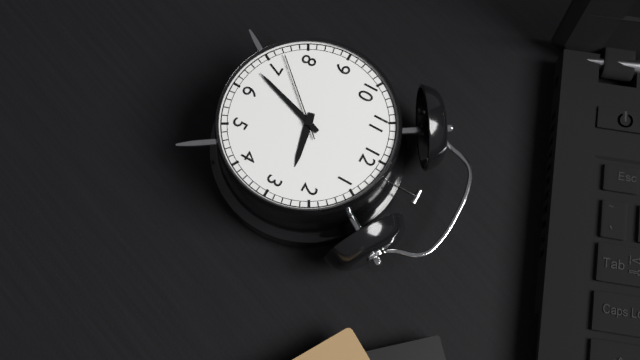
2:33:37
